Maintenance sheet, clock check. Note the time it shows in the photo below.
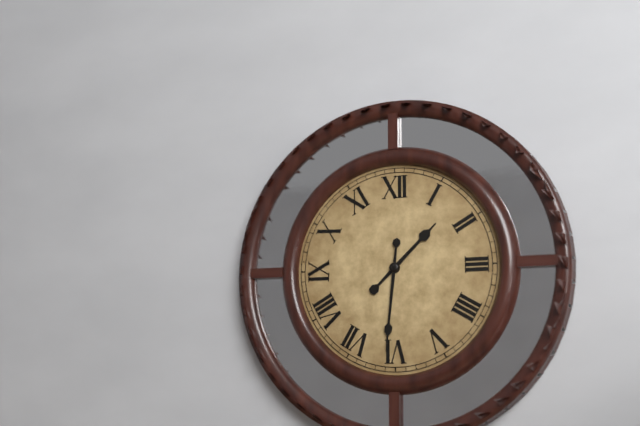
1:31
